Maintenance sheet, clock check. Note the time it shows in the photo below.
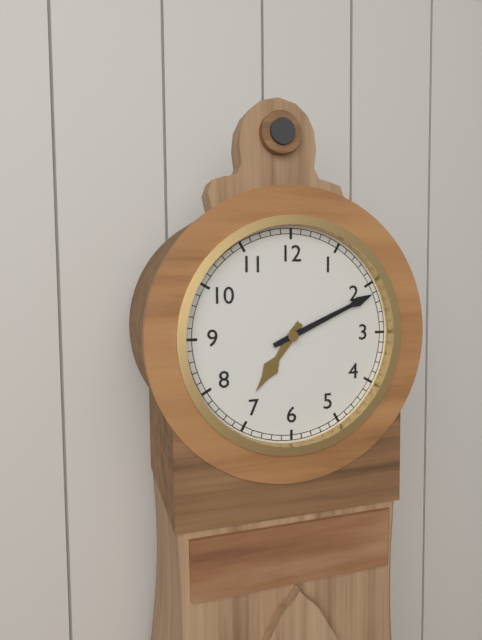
7:11
